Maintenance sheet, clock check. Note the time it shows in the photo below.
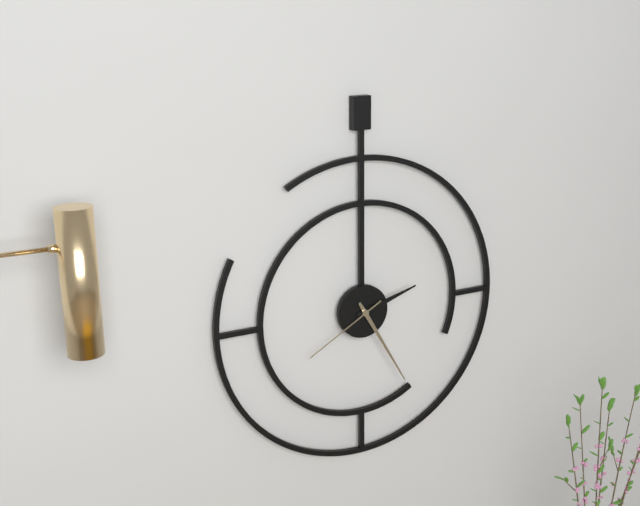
2:25:40
